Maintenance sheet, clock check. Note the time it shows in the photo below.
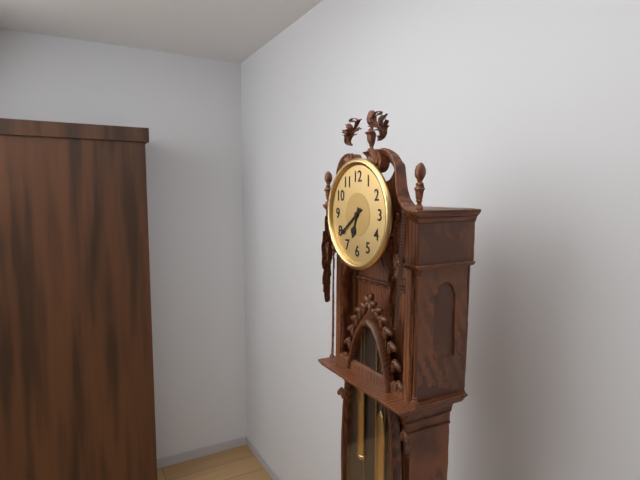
6:39
